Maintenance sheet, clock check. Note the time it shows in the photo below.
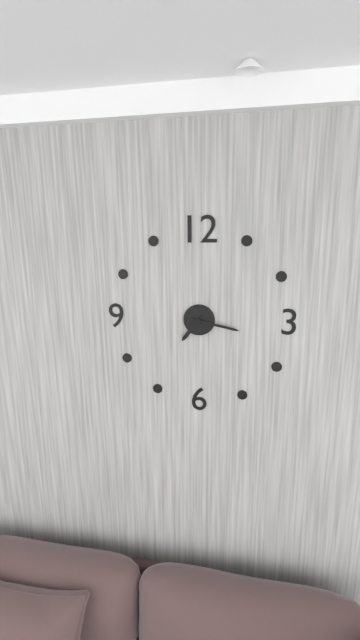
7:17
